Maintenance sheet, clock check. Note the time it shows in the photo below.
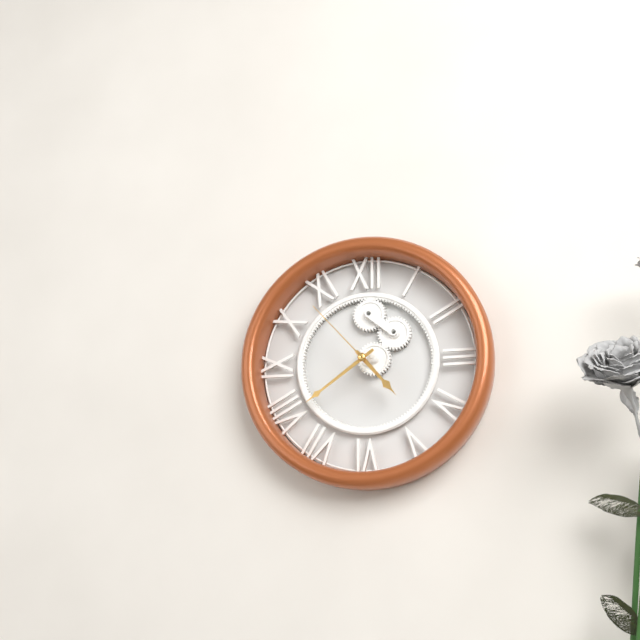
4:39:53
